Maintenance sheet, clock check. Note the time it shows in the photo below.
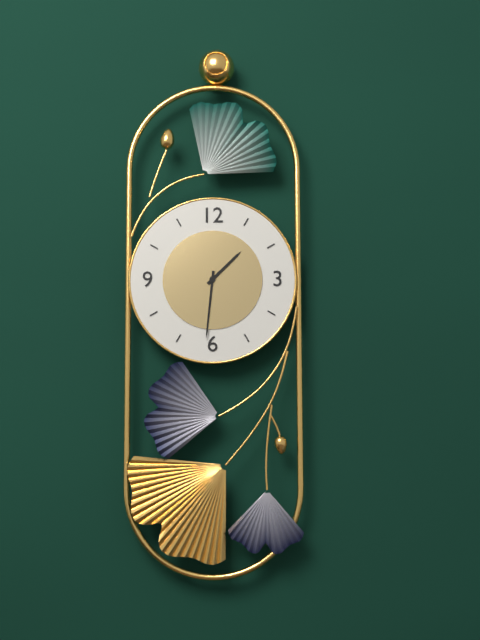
1:31
